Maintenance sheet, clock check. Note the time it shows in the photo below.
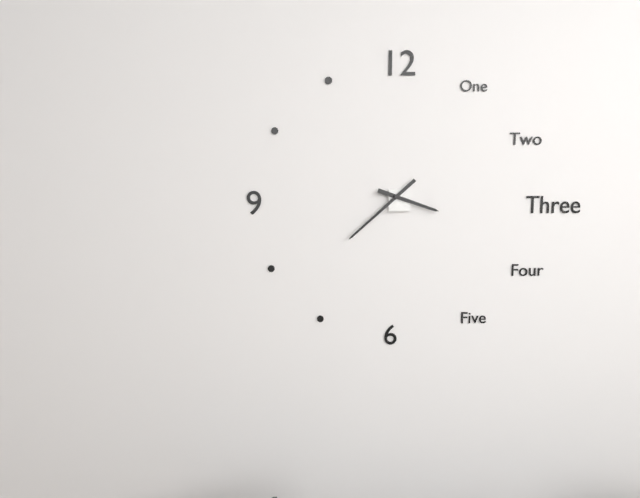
3:38
